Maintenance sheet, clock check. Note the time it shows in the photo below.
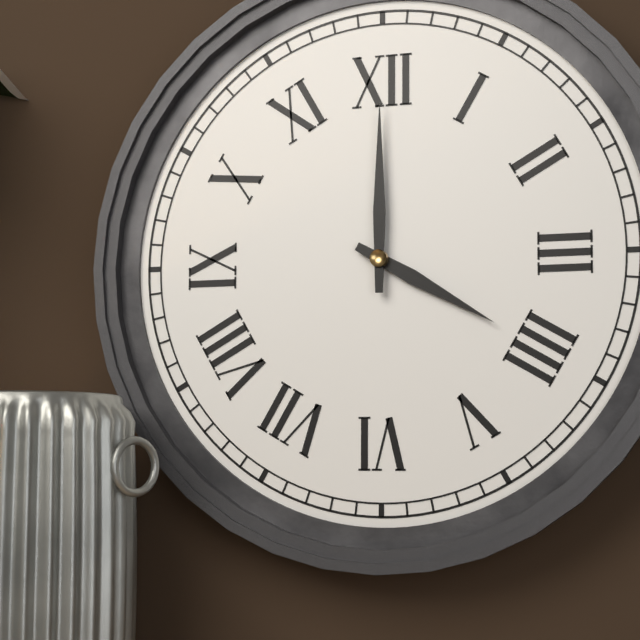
4:00
